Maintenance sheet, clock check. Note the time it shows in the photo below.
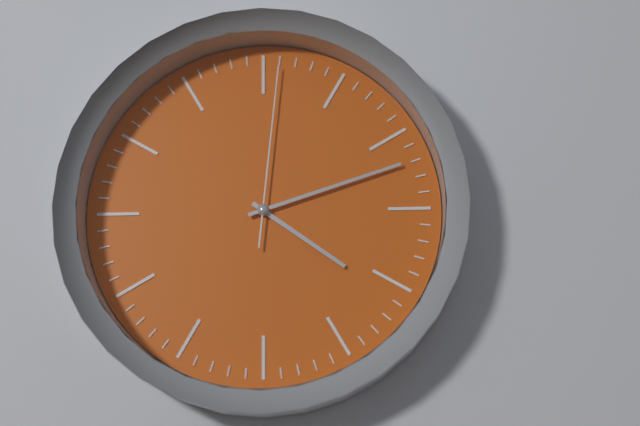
4:12:01
